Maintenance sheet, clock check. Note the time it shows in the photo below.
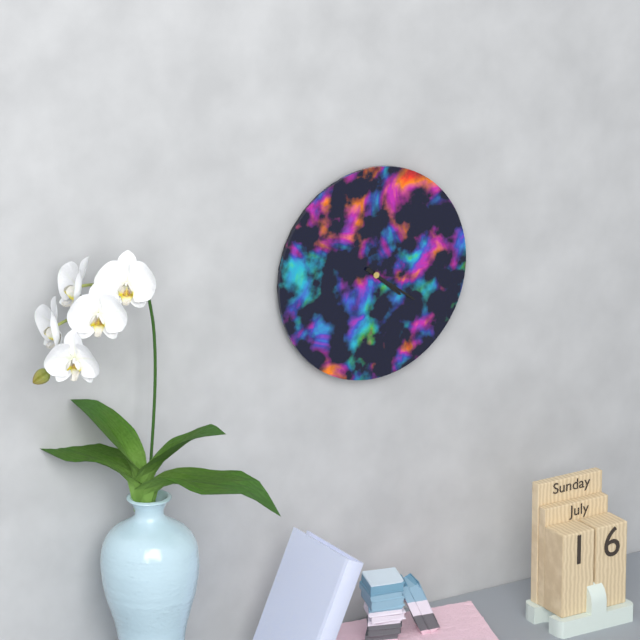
4:21
